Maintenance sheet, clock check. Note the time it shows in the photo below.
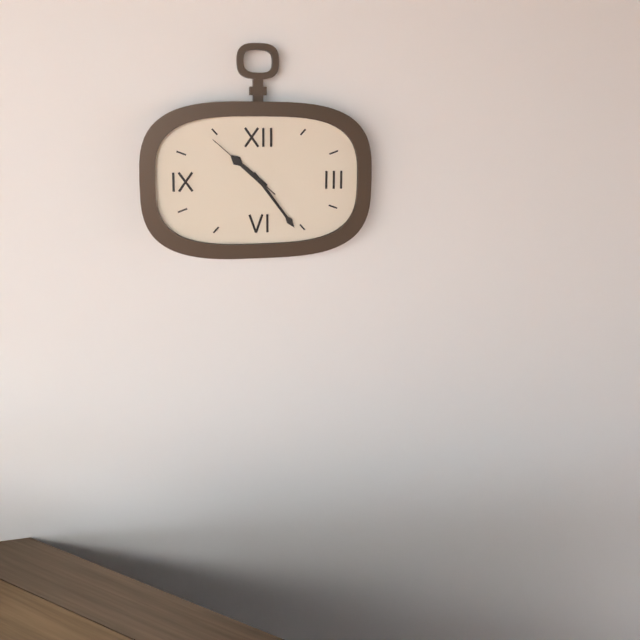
10:24:52
